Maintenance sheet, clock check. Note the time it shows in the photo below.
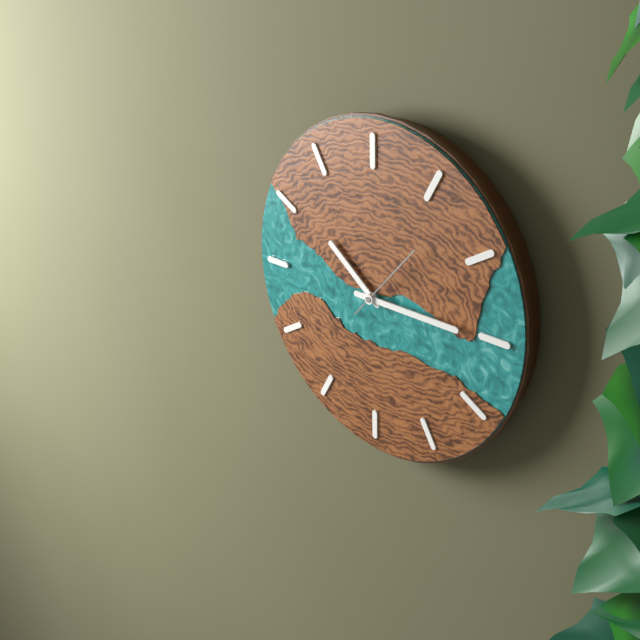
10:15:07
